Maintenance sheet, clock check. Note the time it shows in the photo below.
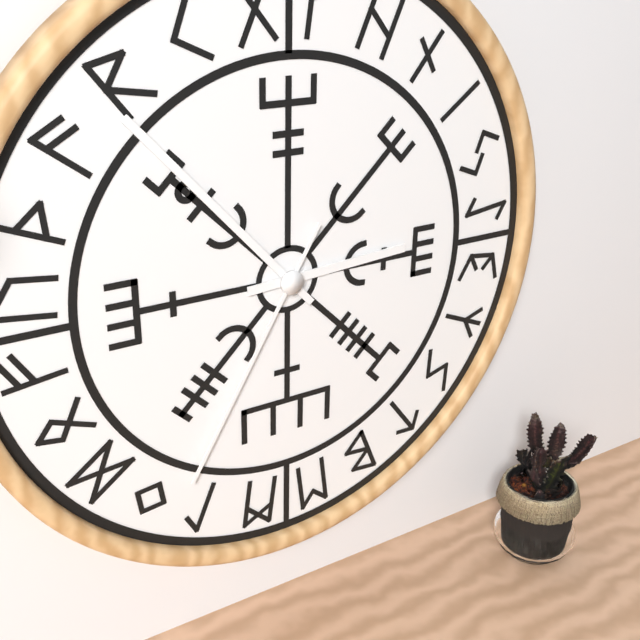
2:53:35
